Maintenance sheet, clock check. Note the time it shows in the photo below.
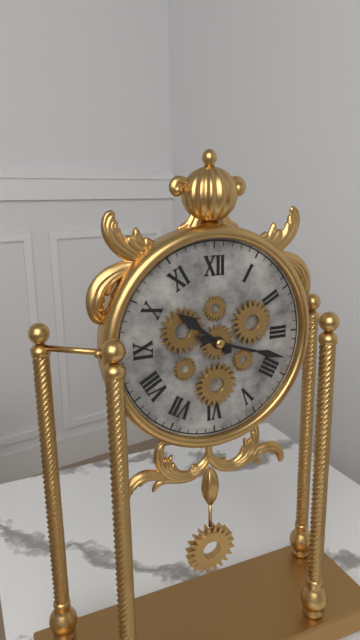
10:18
